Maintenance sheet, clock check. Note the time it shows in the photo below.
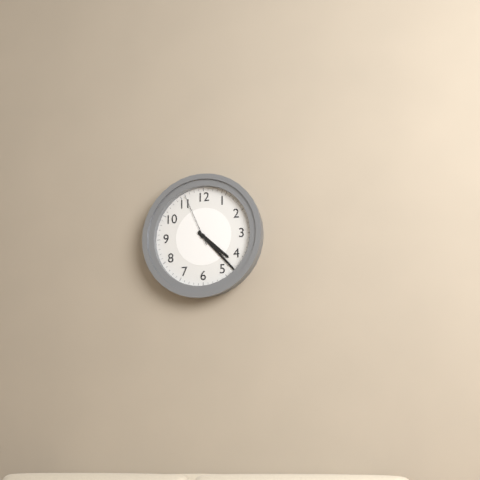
4:23:56
